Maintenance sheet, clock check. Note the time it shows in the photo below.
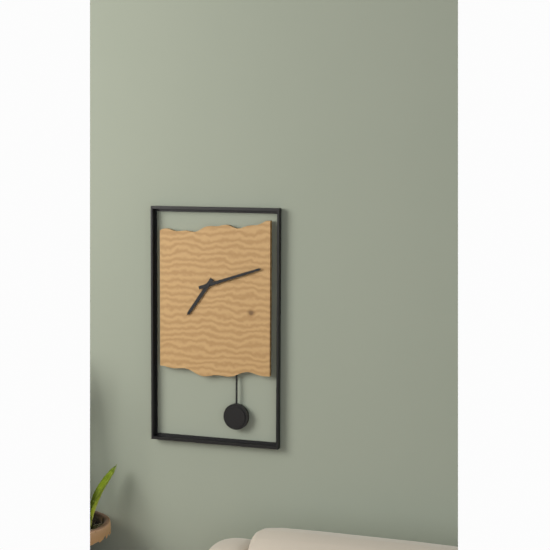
7:12
